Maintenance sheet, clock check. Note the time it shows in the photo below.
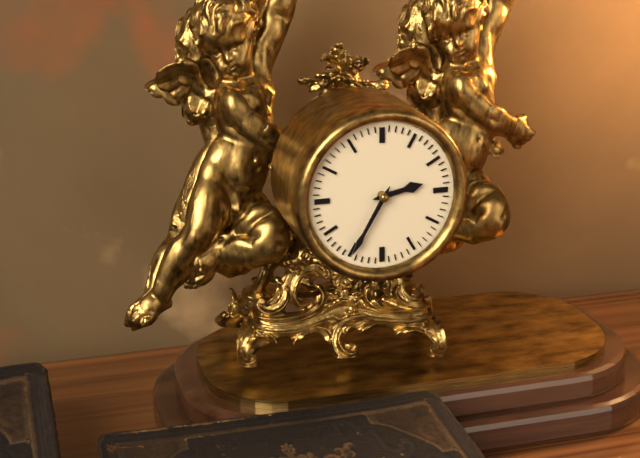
2:35
